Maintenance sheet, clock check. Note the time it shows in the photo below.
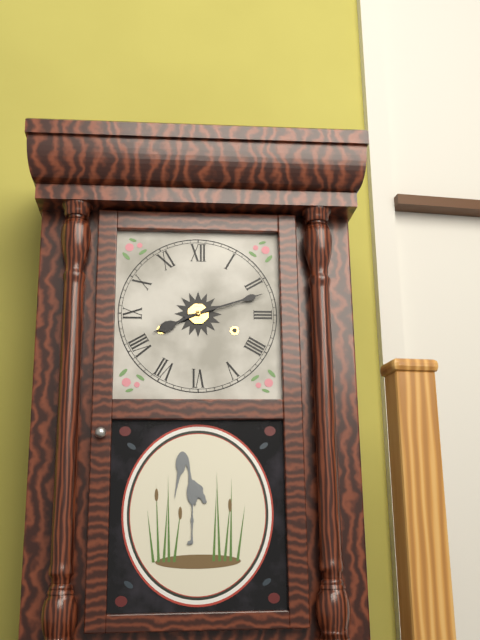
8:12
